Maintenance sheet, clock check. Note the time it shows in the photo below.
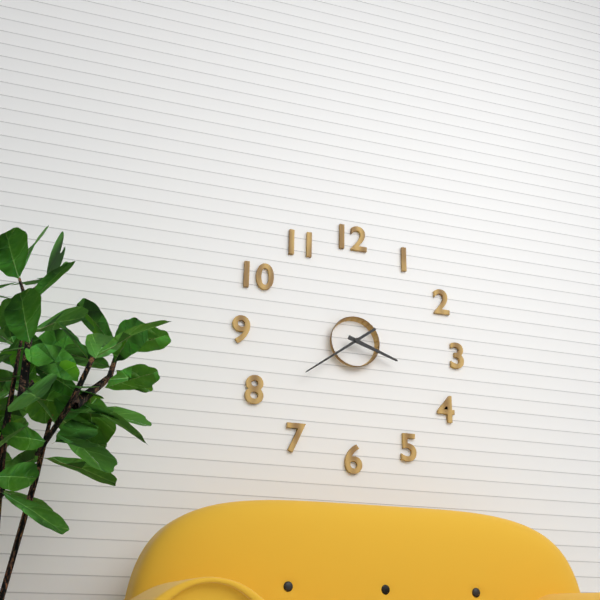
3:39
